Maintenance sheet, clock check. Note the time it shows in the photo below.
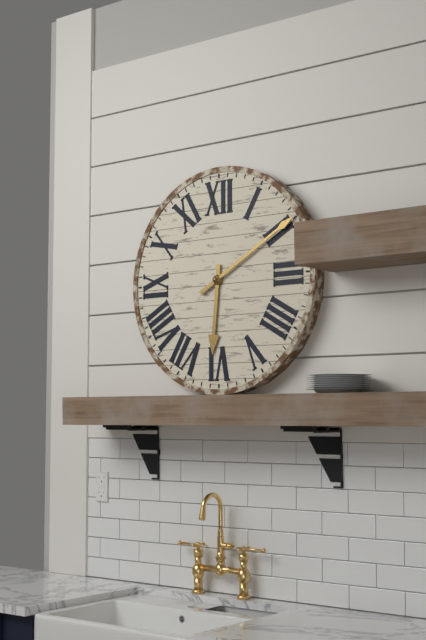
6:10
